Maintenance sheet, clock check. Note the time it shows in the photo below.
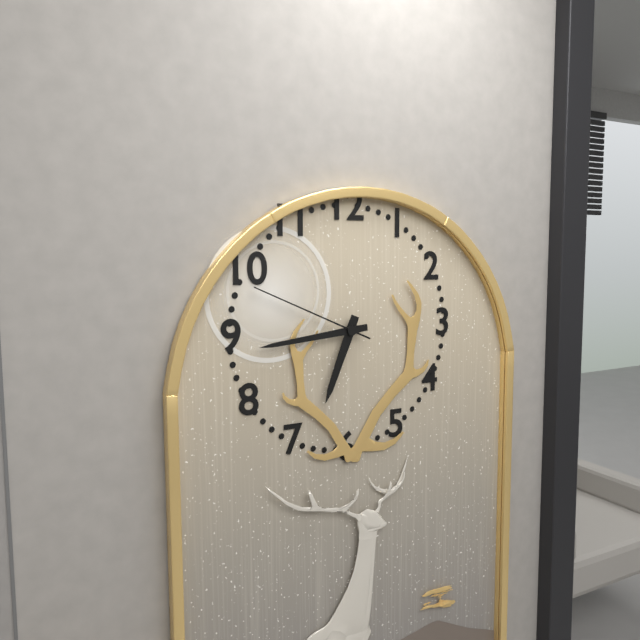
6:44:49
